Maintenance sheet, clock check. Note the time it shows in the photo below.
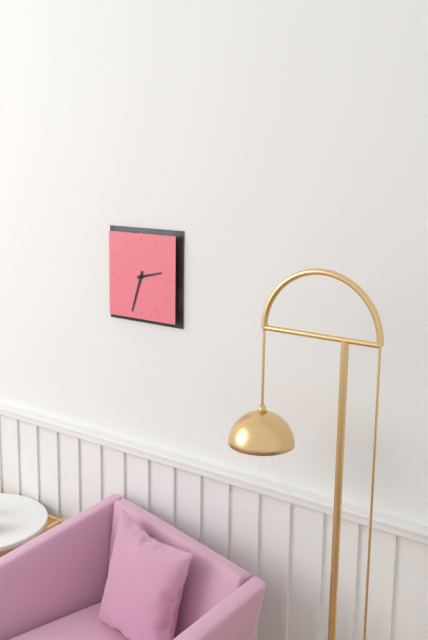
2:33
